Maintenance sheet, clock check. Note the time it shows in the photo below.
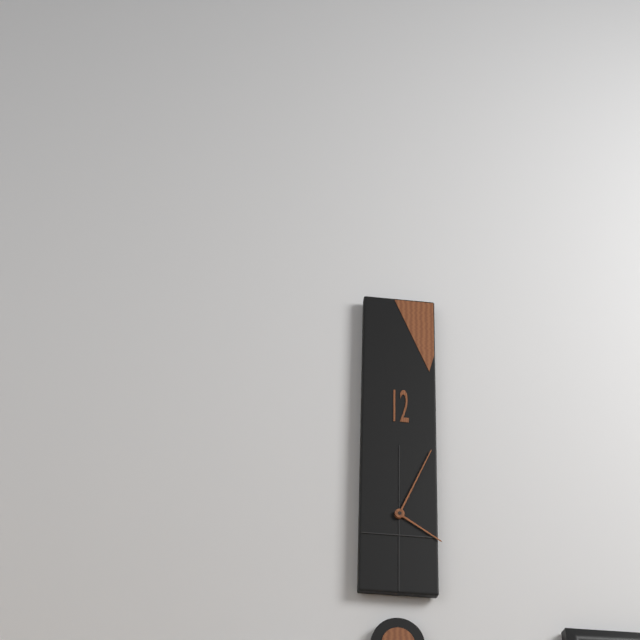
4:04
